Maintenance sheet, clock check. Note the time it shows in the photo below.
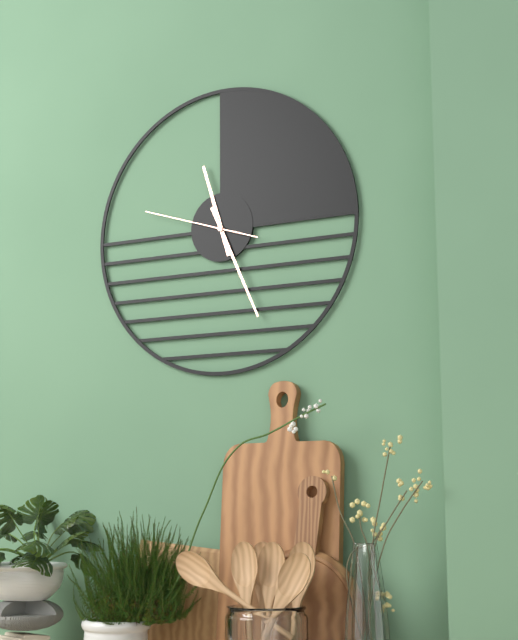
11:26:48
